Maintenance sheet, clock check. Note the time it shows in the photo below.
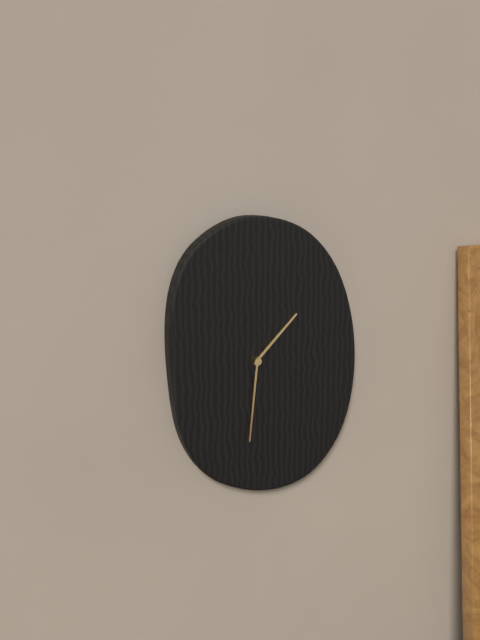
1:31
